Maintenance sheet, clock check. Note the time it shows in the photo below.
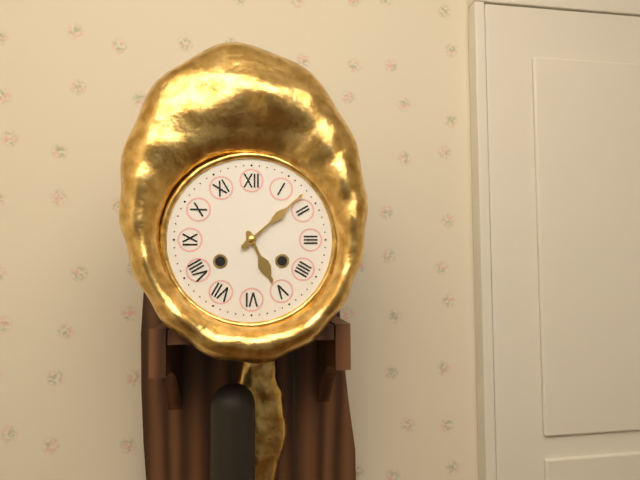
5:08
